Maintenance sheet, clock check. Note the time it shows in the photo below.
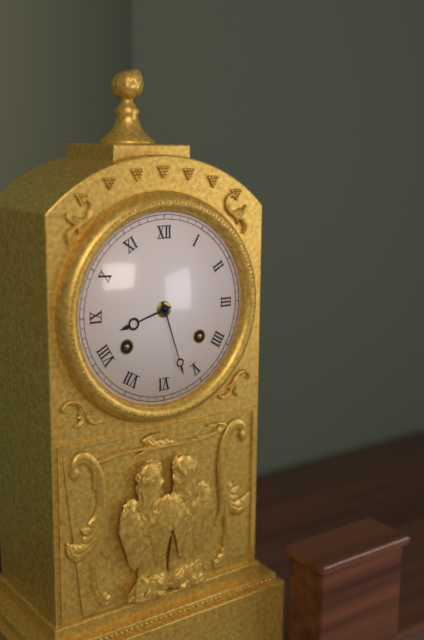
8:27
